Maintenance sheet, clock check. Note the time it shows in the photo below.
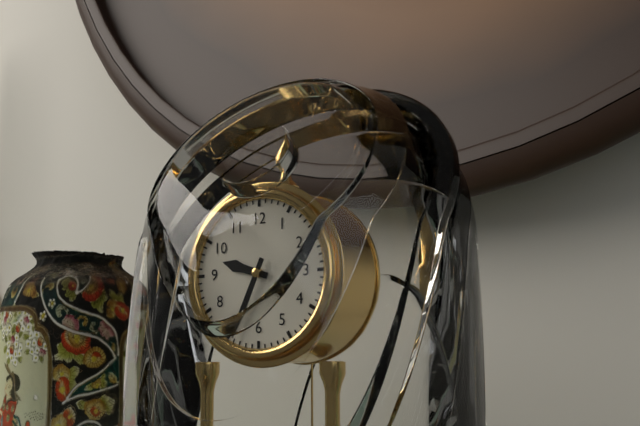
9:34
